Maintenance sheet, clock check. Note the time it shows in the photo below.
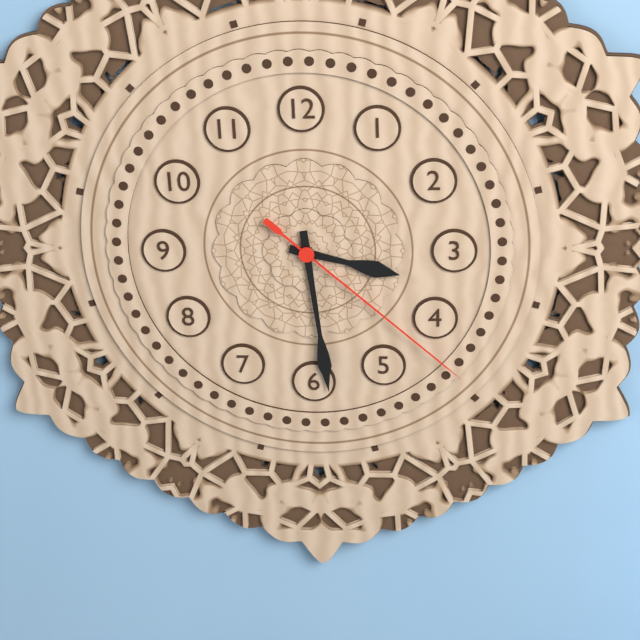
3:29:22
